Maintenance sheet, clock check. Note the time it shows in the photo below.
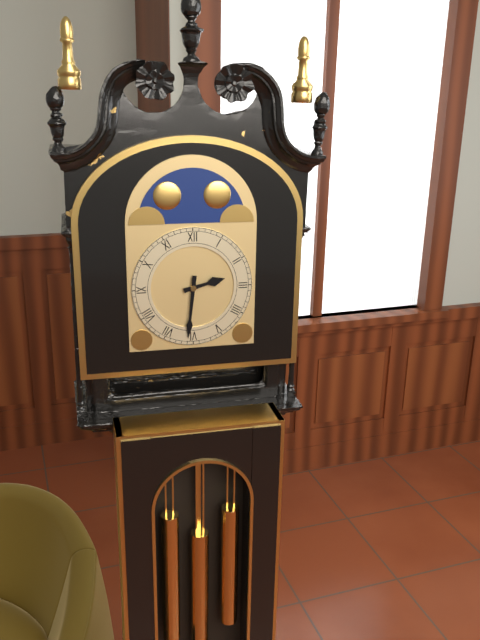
2:31
